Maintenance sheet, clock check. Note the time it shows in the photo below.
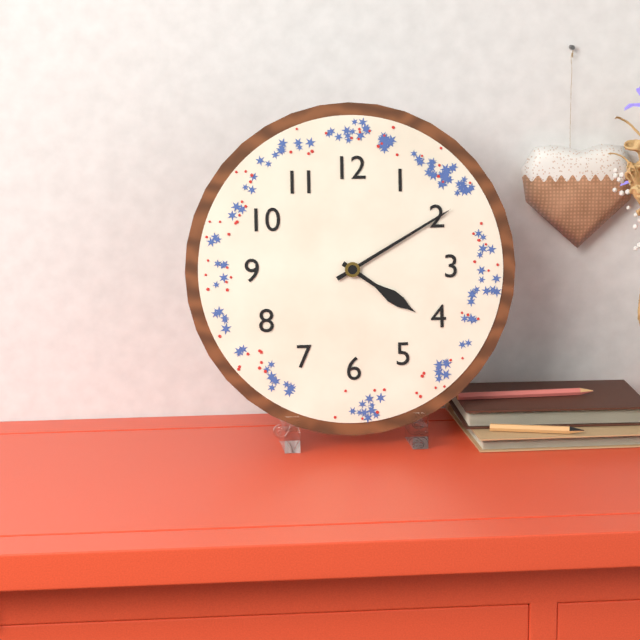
4:10
